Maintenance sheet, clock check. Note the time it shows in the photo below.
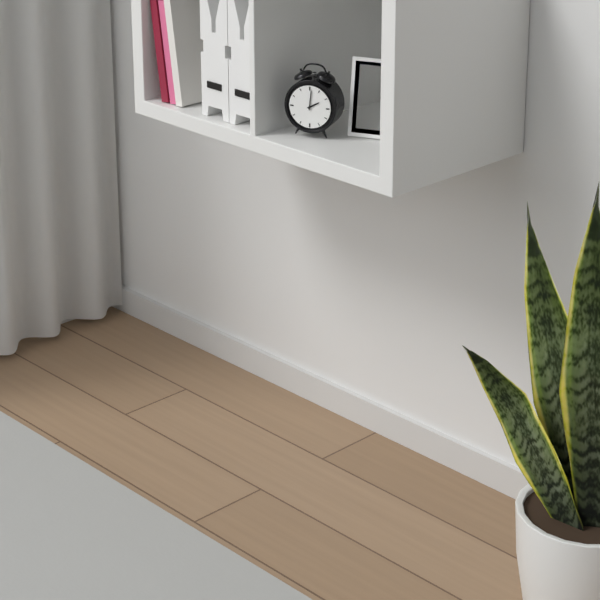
2:01
